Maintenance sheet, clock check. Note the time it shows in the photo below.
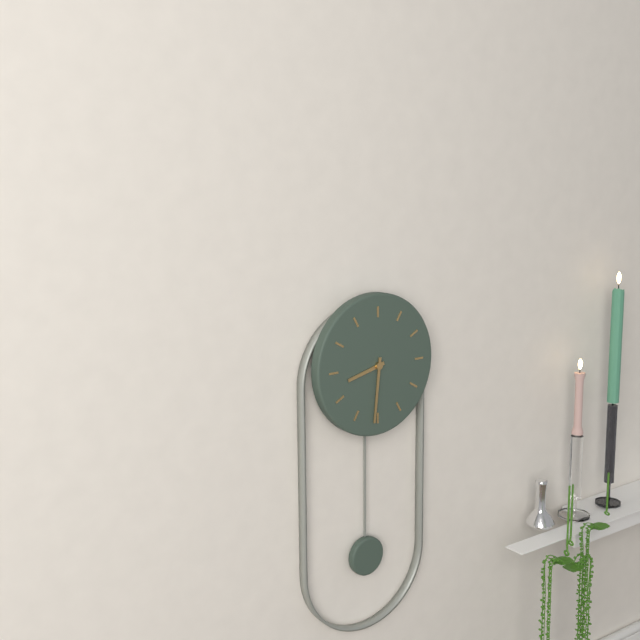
8:31
